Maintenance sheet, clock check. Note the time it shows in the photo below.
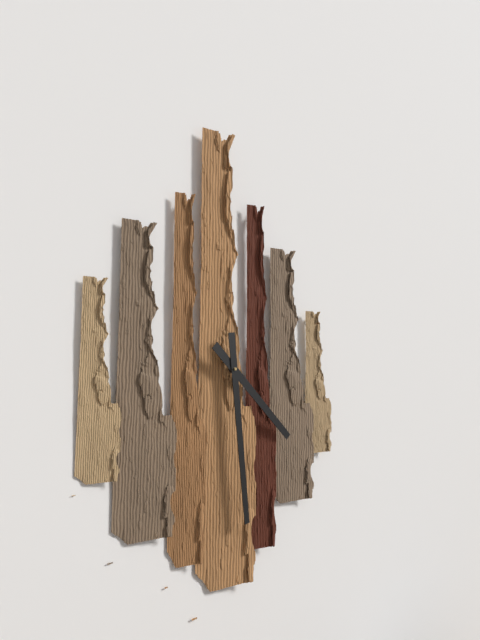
4:29
